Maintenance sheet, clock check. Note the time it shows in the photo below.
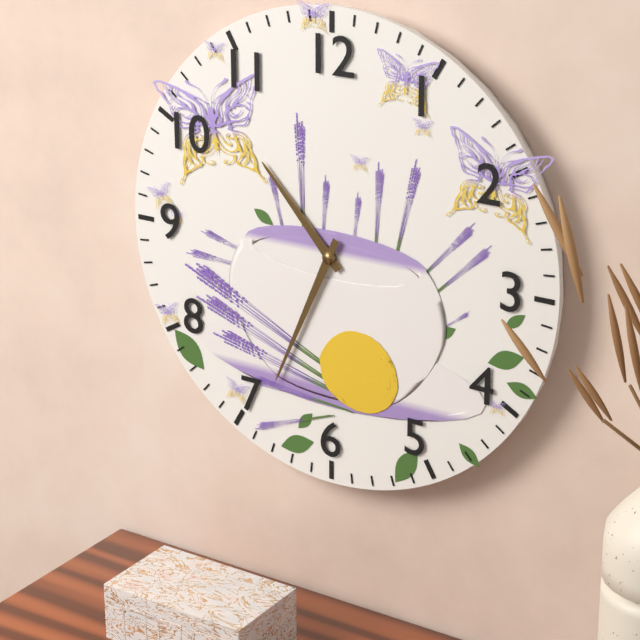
10:34
